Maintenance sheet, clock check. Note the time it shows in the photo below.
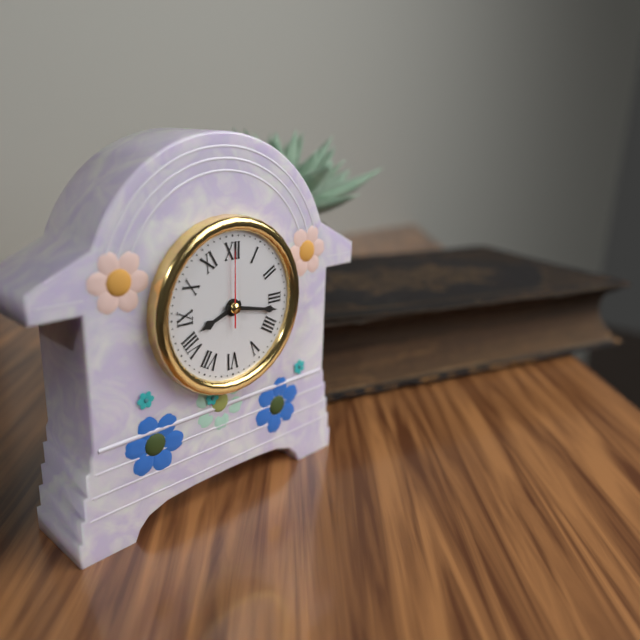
8:17:00
